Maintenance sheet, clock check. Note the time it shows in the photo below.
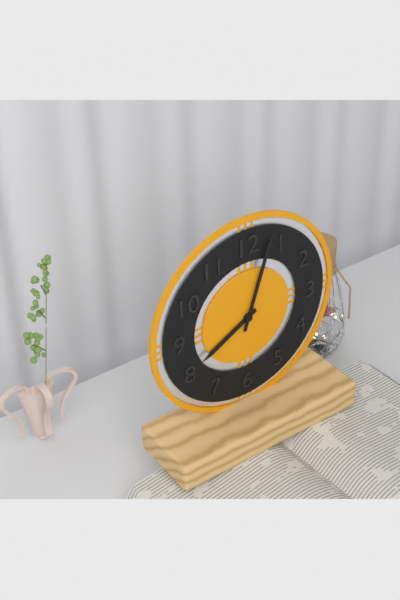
8:03
